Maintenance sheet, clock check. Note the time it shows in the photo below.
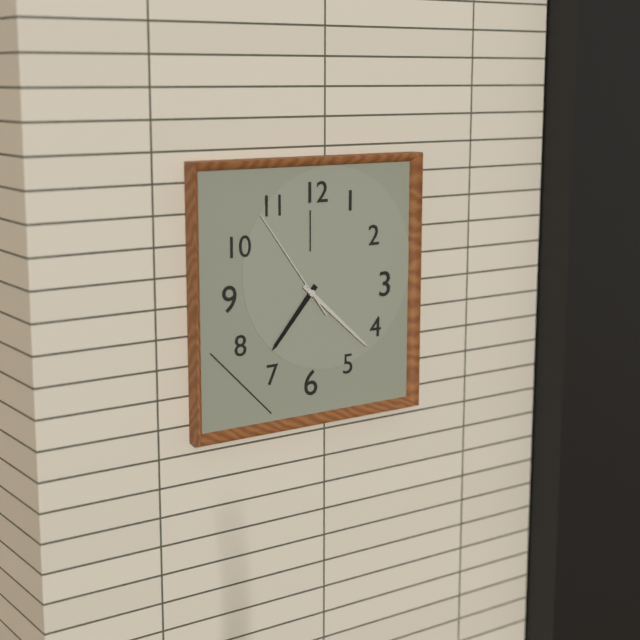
7:22:54
